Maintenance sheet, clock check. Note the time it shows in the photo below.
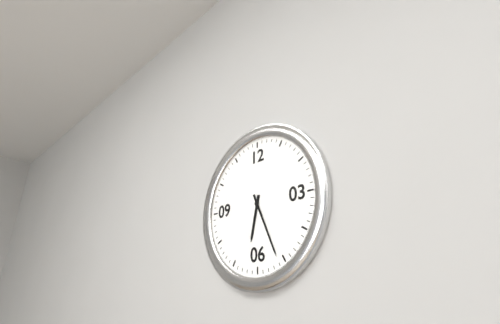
6:26
